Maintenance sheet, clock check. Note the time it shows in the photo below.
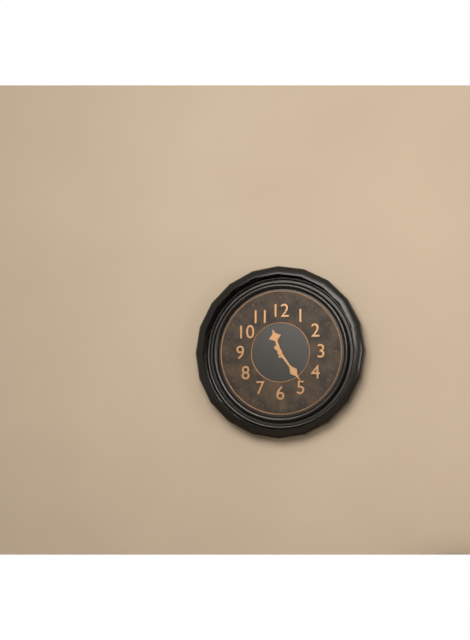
11:24
